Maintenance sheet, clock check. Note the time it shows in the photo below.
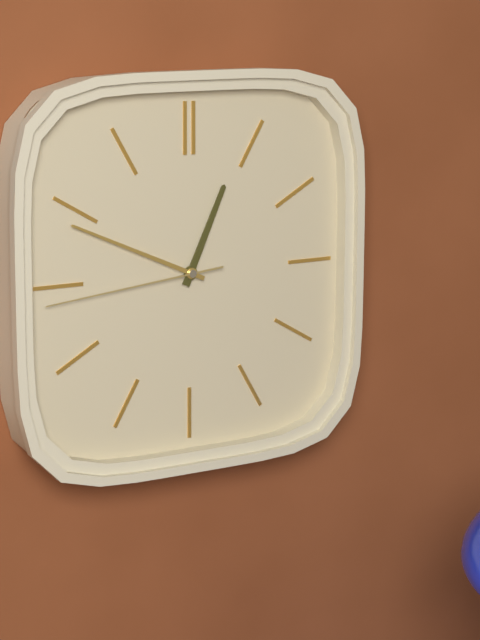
12:49:44
